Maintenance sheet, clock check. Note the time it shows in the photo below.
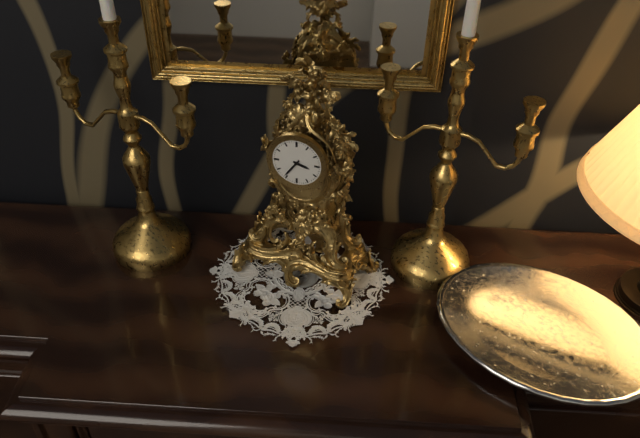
3:36
